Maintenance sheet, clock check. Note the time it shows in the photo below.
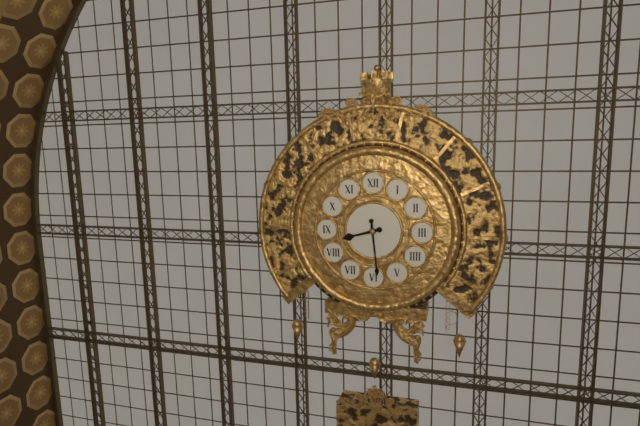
8:29
